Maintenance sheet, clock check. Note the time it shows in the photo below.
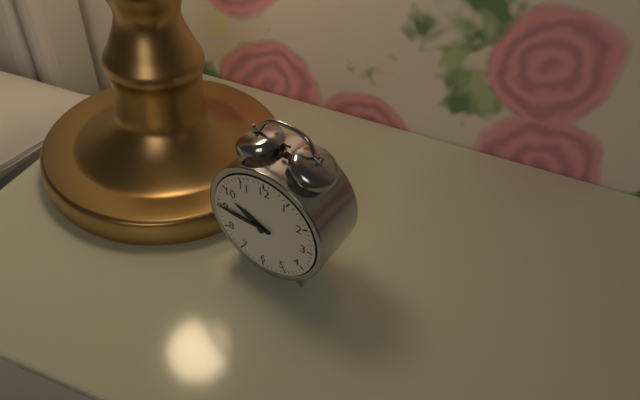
9:45
